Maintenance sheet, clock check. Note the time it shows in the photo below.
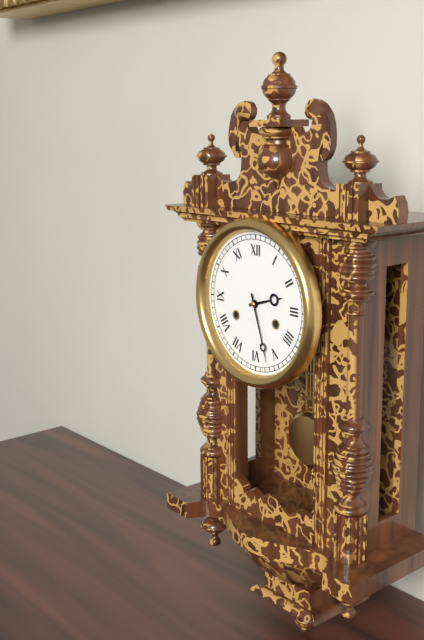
2:27
